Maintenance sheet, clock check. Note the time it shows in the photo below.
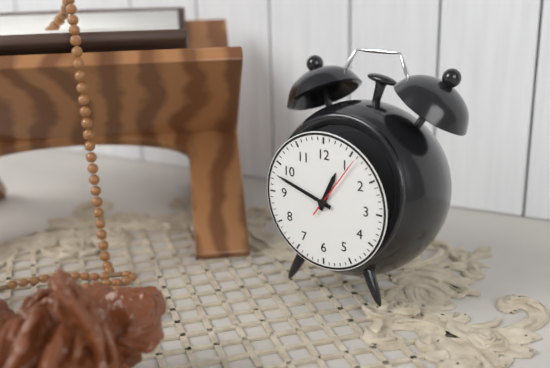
12:48:06
